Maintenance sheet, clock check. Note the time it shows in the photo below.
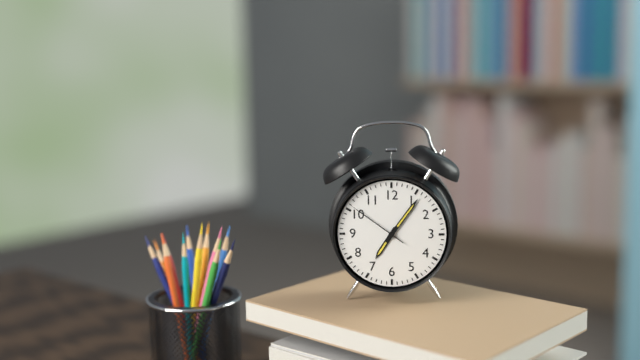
7:06:51
